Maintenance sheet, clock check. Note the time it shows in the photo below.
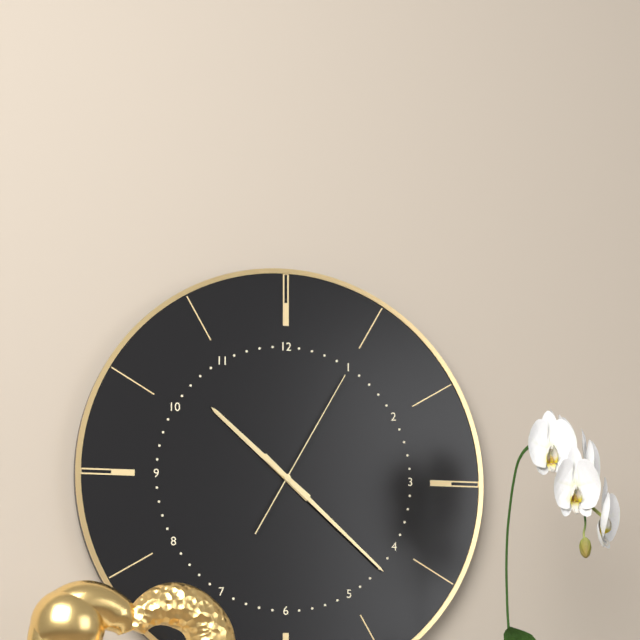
10:22:05
